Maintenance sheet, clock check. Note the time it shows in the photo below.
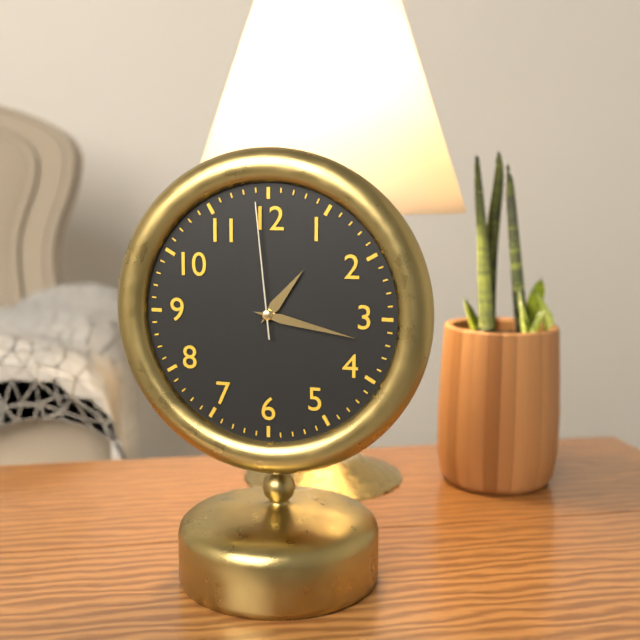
1:17:59
